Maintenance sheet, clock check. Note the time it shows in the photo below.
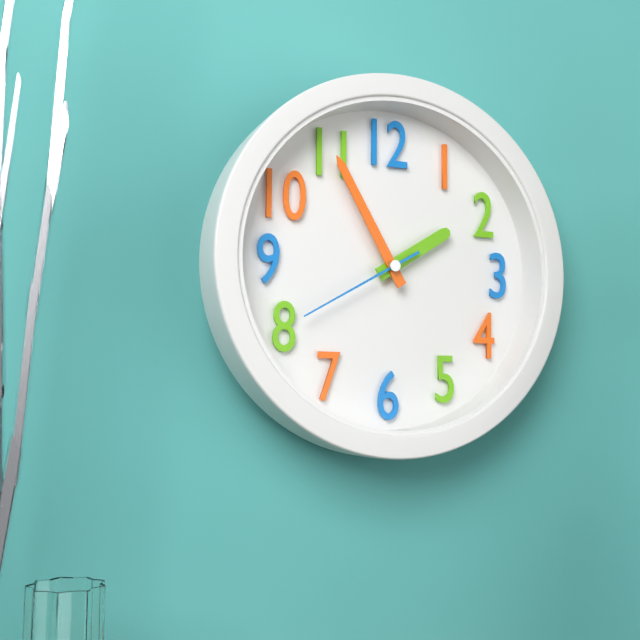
1:55:40
